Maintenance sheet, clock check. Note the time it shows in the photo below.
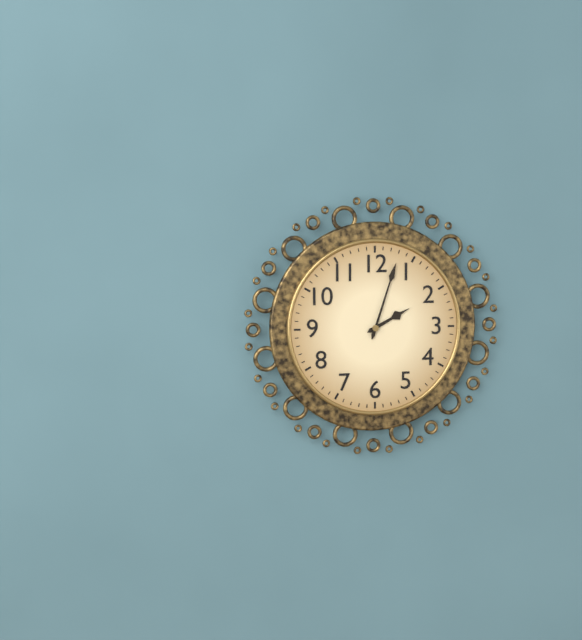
2:03
